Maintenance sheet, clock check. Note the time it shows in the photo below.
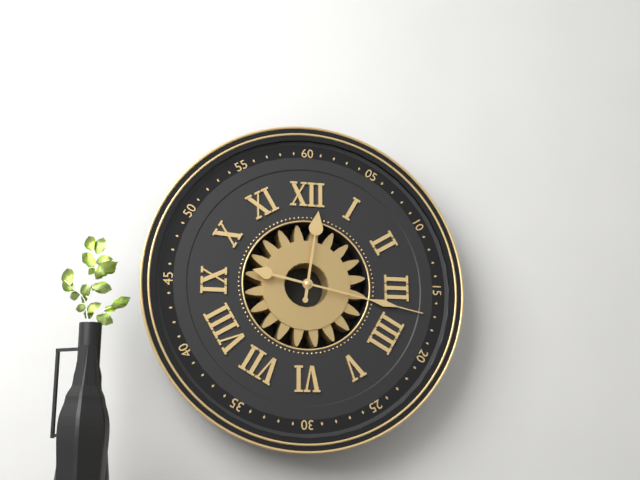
12:17
